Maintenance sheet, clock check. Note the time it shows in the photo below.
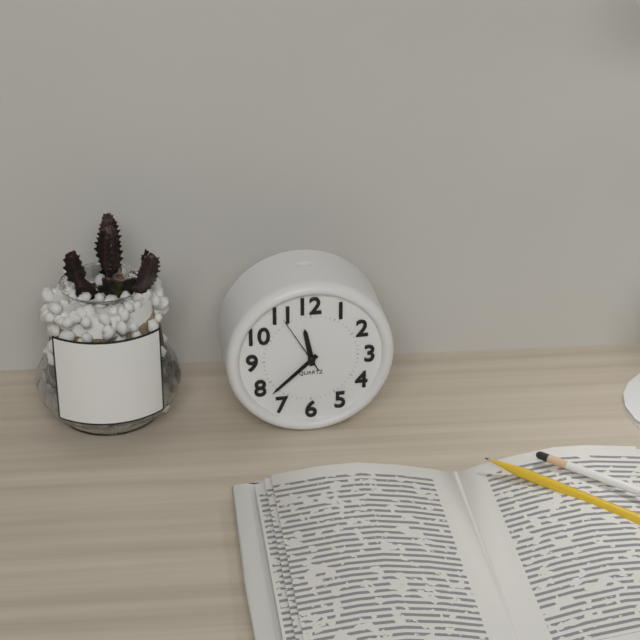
11:38:55
